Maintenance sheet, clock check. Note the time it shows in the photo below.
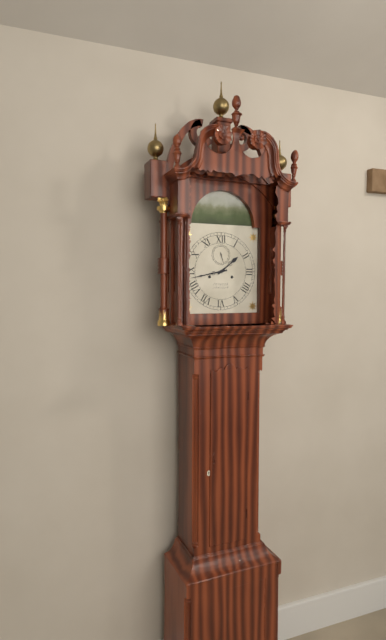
1:43
